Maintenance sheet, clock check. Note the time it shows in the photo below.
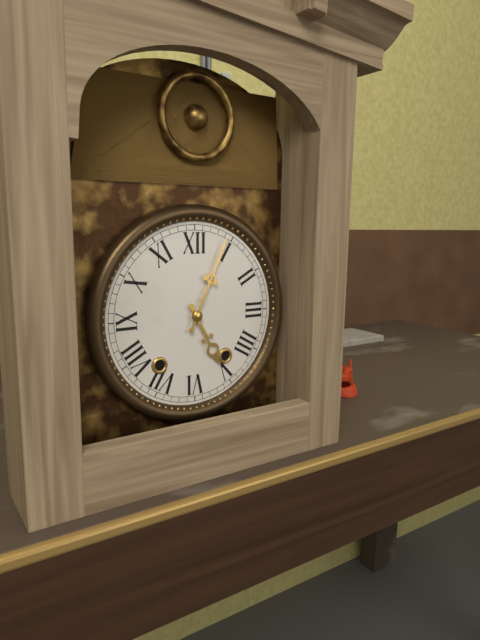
5:04
